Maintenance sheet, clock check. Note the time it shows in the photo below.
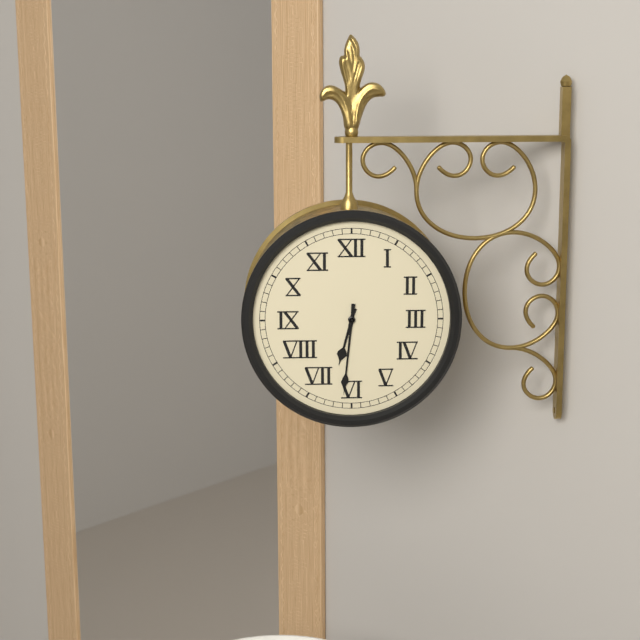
6:31
